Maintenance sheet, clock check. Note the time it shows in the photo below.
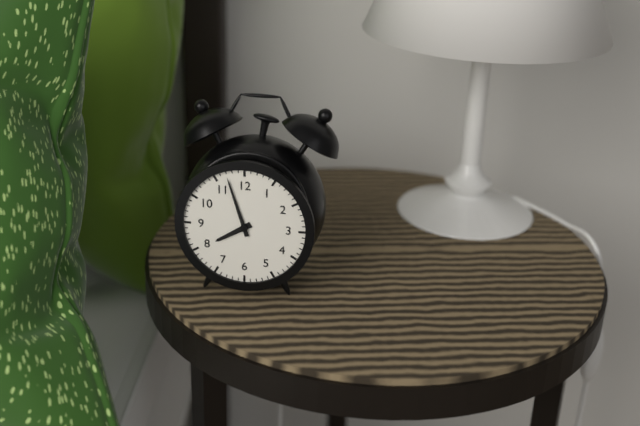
7:57
